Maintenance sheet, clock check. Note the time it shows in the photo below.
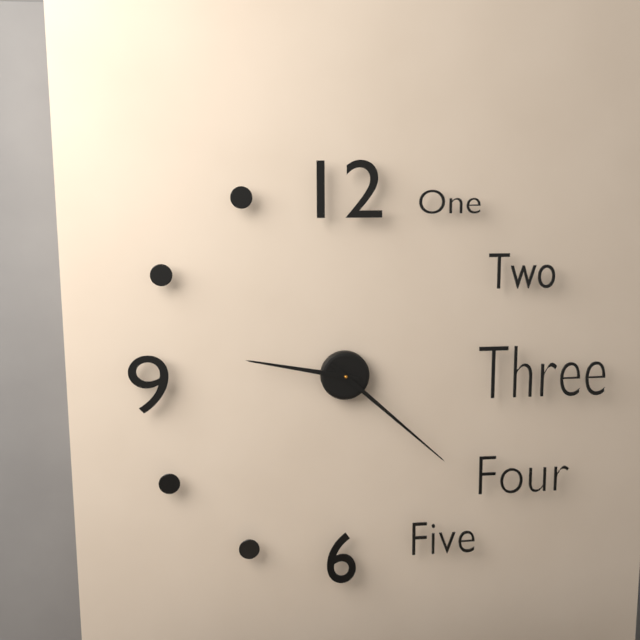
9:22
